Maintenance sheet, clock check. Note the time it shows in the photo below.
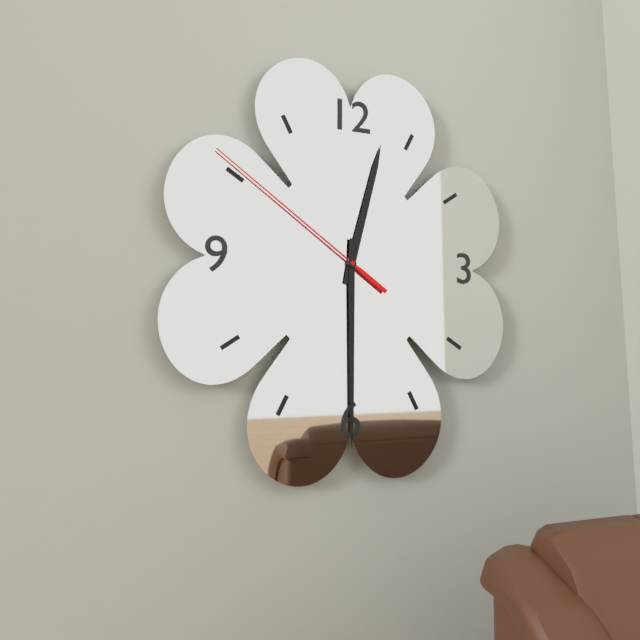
12:30:51
